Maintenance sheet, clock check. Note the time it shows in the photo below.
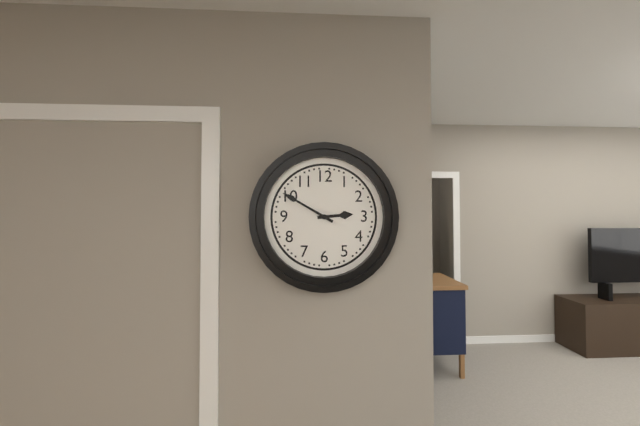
2:50
